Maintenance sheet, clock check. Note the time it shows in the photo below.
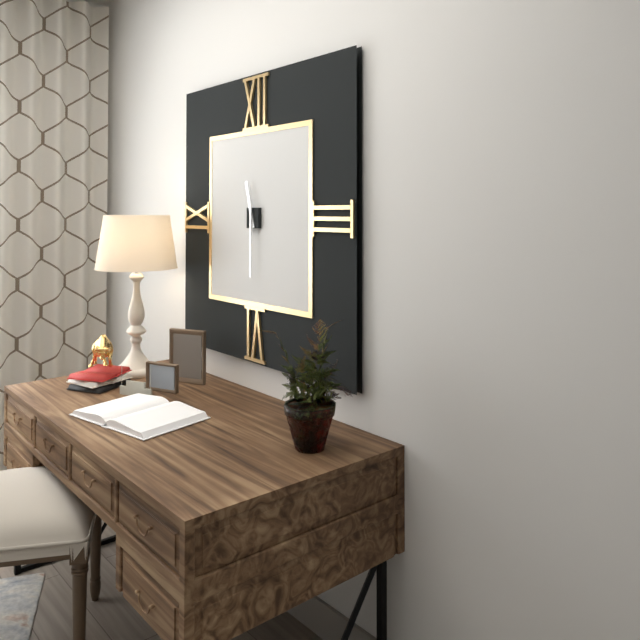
11:30
